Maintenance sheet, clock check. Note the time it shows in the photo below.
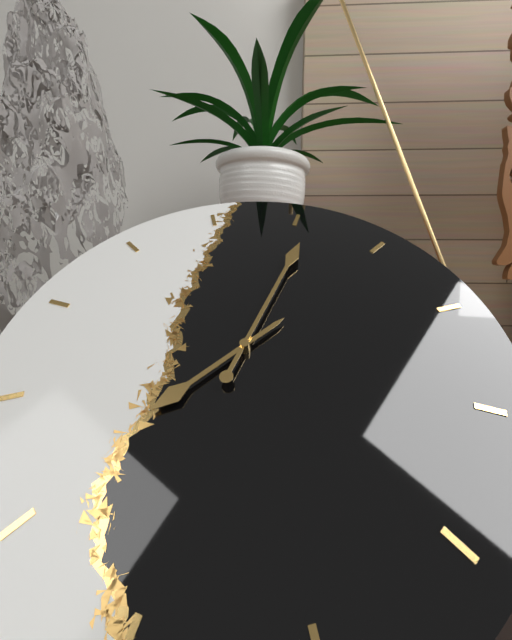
8:06
